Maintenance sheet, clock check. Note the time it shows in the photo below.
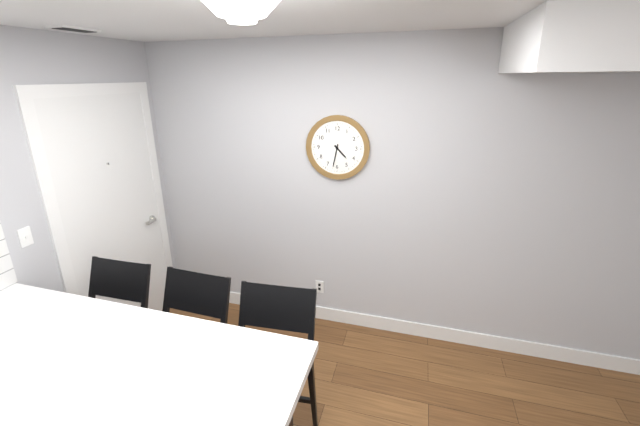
4:32
